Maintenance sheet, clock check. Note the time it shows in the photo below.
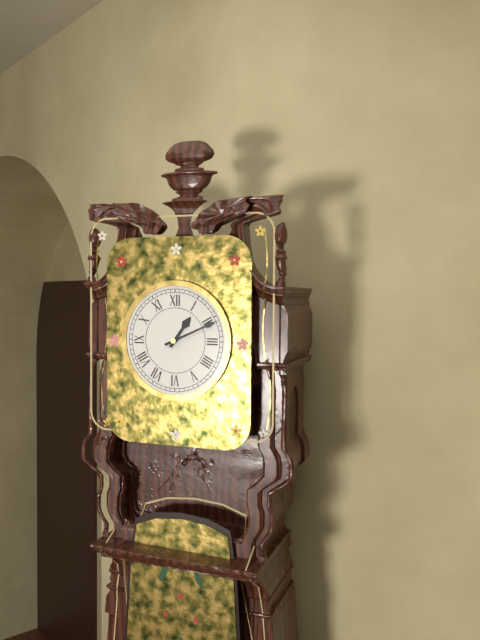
1:11
